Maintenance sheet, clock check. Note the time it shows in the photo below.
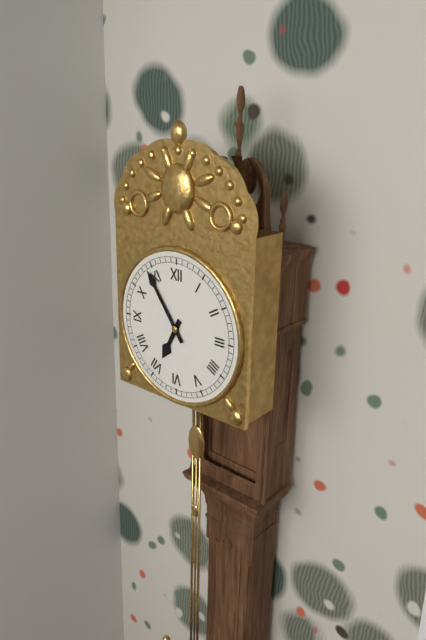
6:54
